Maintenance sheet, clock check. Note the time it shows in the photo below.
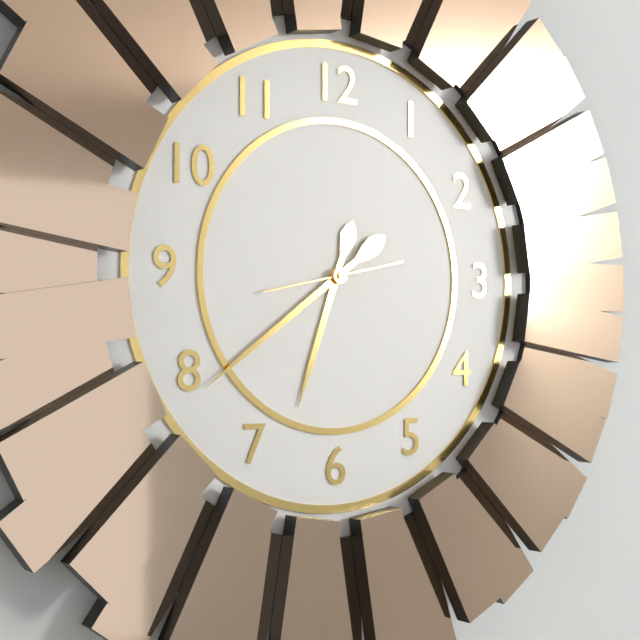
6:39:43
